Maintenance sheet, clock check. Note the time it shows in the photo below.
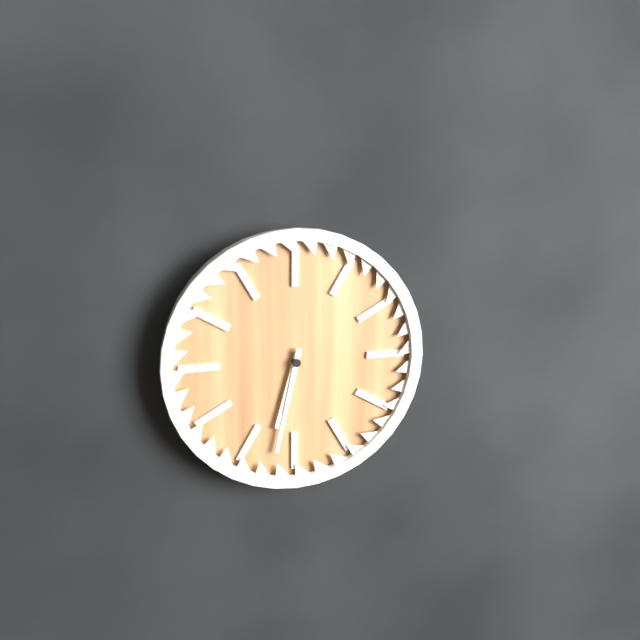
6:32
